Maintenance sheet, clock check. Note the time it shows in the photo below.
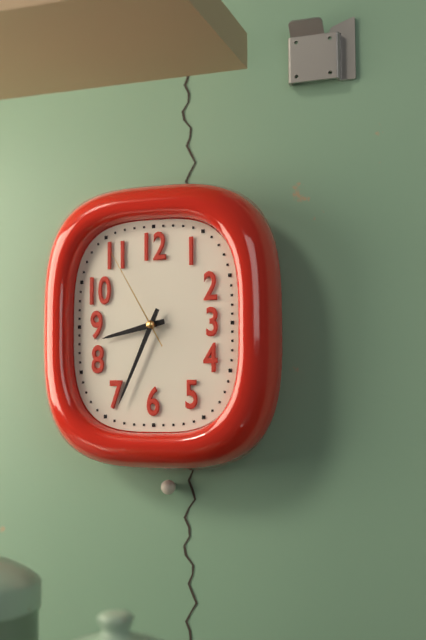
8:34:55
